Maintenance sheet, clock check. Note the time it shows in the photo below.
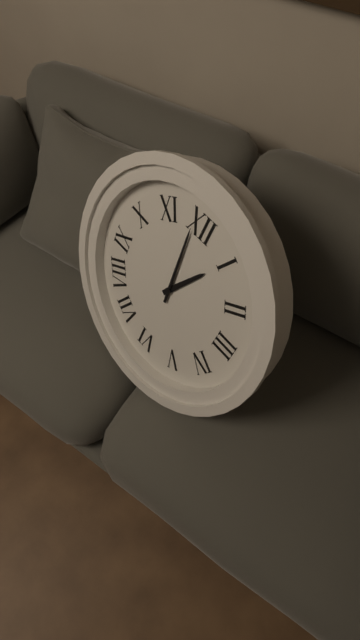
12:59
